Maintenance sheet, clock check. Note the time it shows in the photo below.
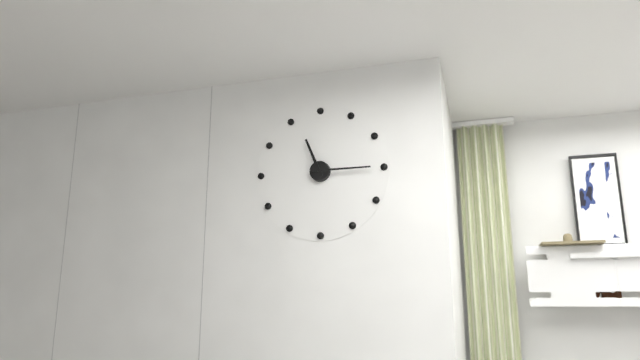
11:15
